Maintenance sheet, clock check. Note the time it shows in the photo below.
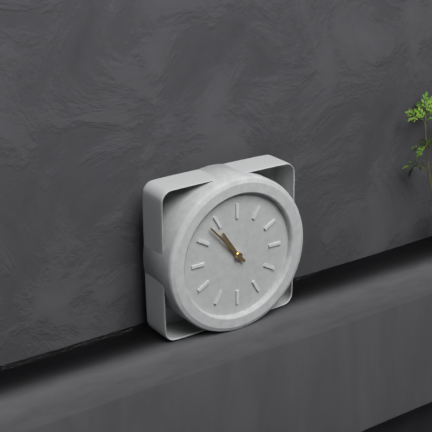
10:53
